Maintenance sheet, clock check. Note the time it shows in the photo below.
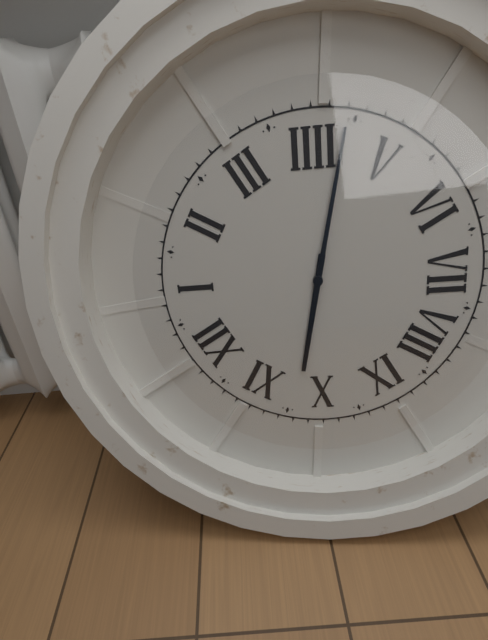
10:22
